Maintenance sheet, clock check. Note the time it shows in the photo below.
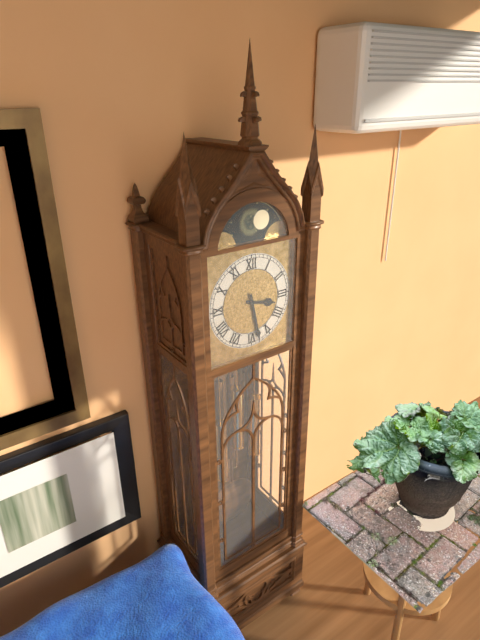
3:28
